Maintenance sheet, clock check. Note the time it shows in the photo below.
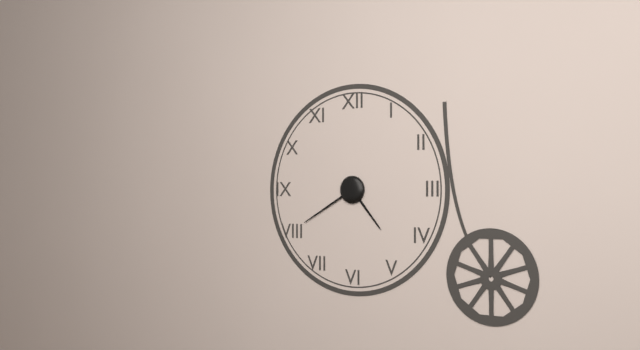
4:40
